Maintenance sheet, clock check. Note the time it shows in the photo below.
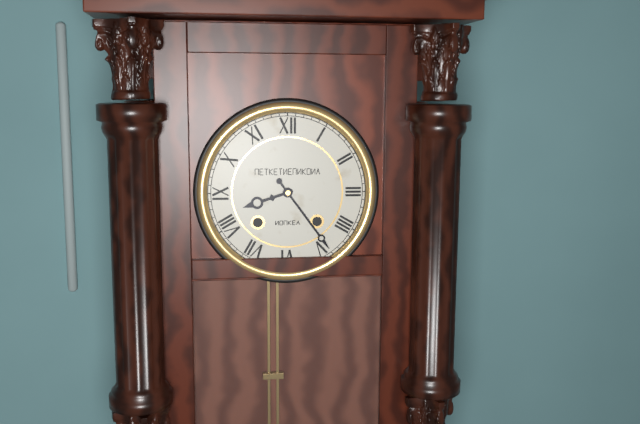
8:24
